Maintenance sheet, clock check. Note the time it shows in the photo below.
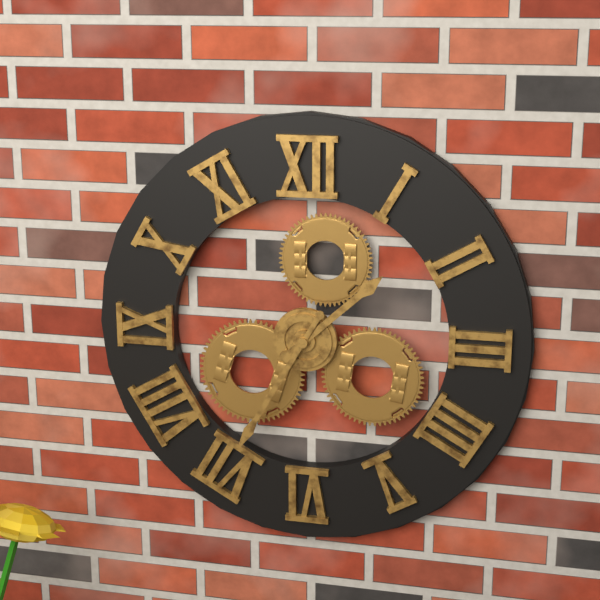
1:35
